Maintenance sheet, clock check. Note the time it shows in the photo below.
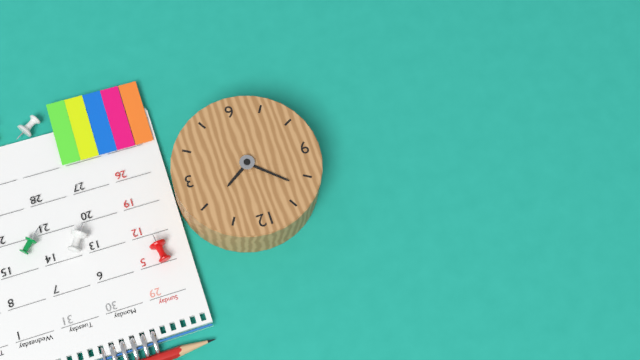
1:52
